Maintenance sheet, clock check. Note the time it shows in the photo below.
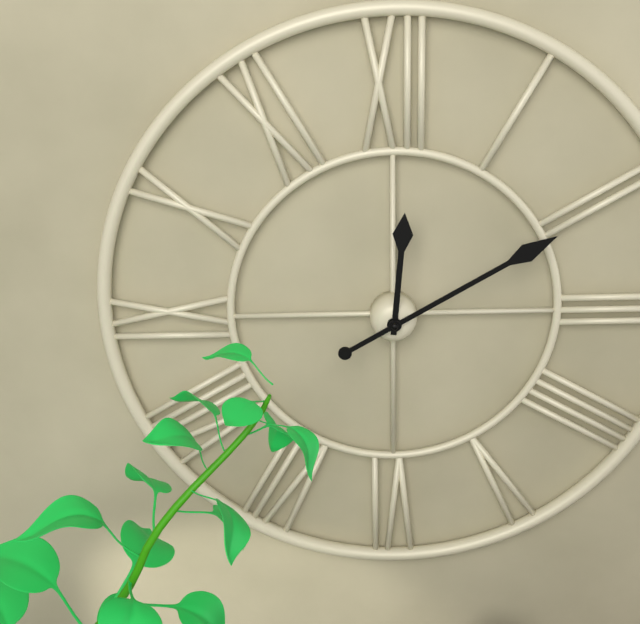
12:10
